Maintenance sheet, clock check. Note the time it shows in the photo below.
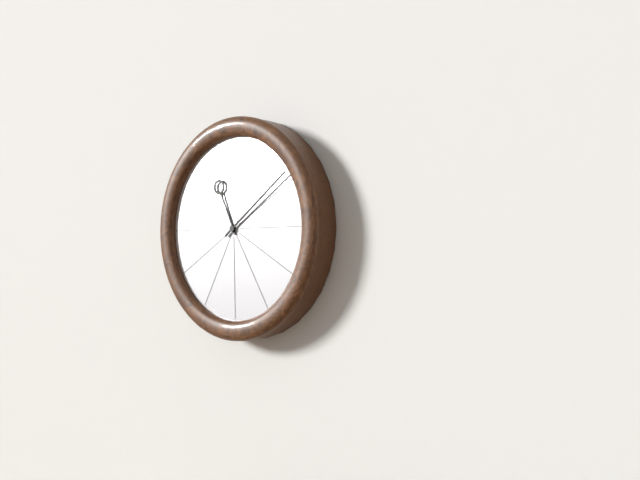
11:09
